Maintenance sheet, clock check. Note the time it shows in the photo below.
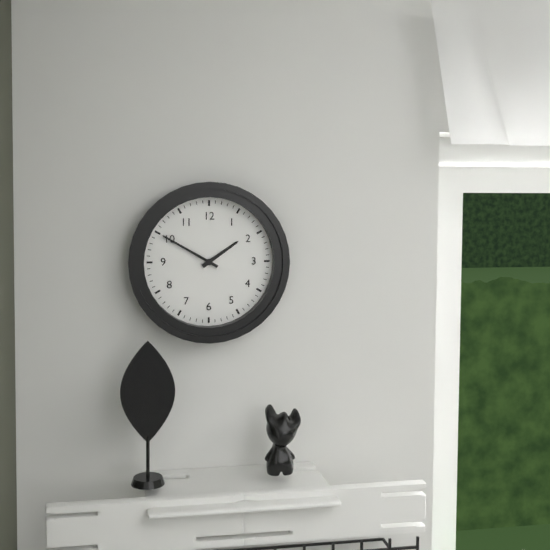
1:50
